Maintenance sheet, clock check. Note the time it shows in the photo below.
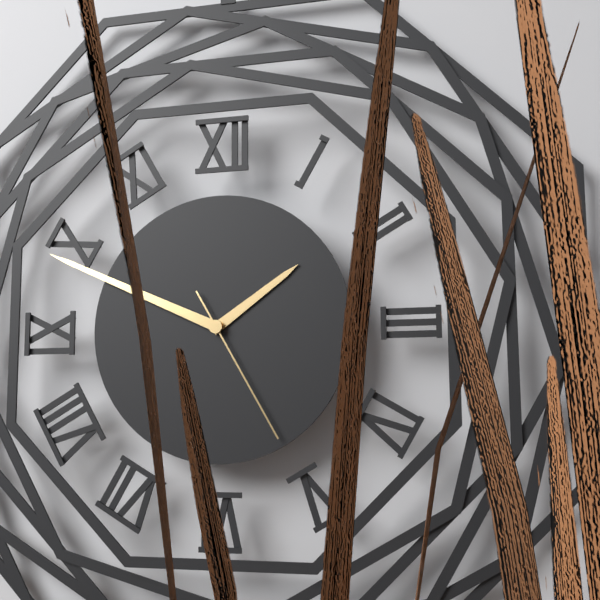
1:49:25
